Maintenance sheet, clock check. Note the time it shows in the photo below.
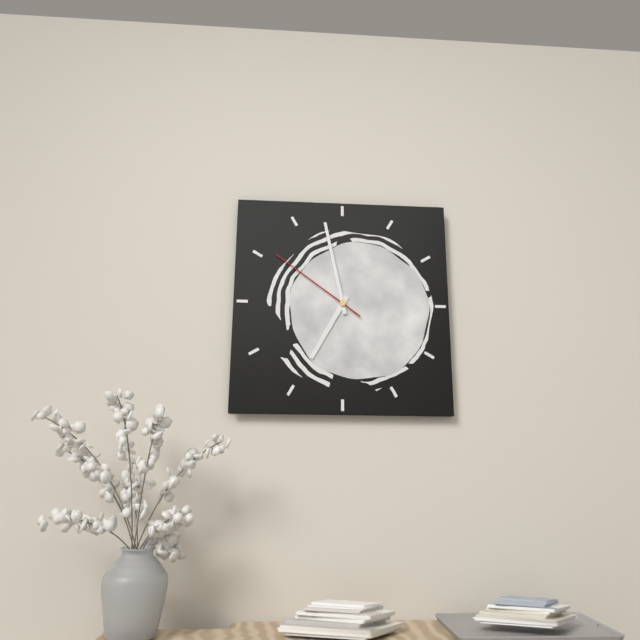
6:58:51
